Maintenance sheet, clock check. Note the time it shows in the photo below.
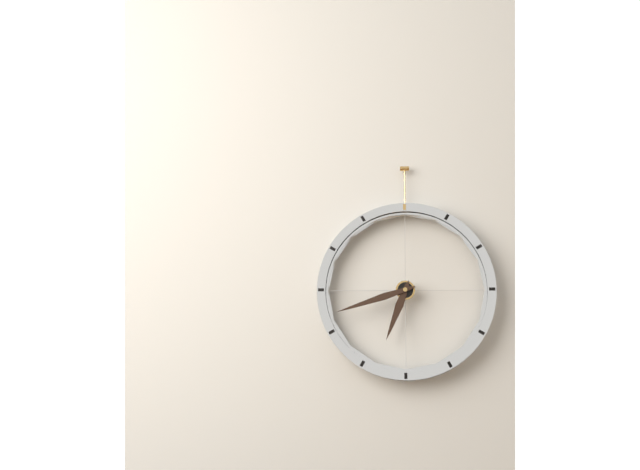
6:42
